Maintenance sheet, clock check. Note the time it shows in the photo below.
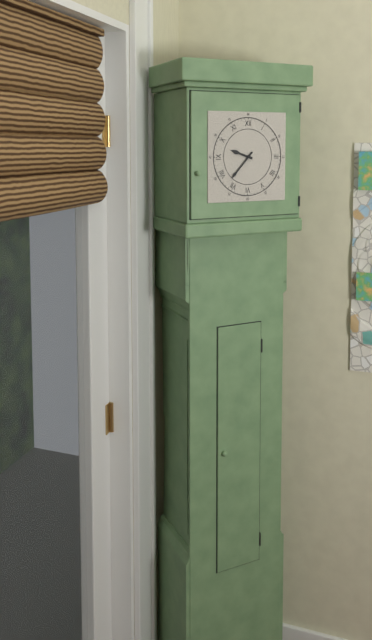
9:37
